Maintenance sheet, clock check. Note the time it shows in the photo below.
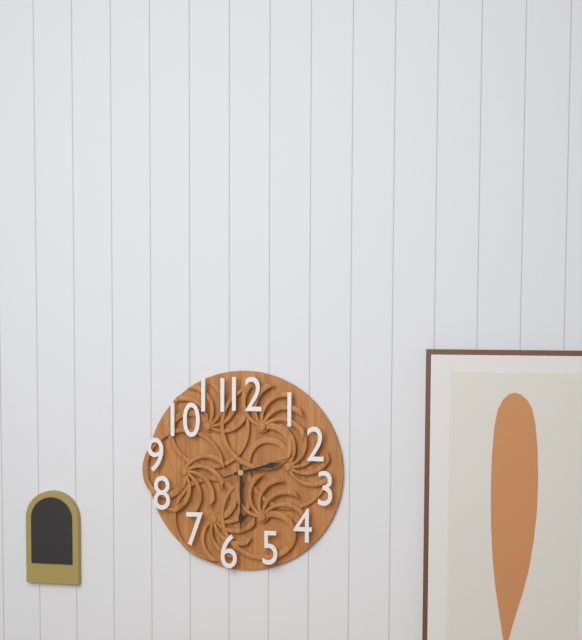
2:30:12
